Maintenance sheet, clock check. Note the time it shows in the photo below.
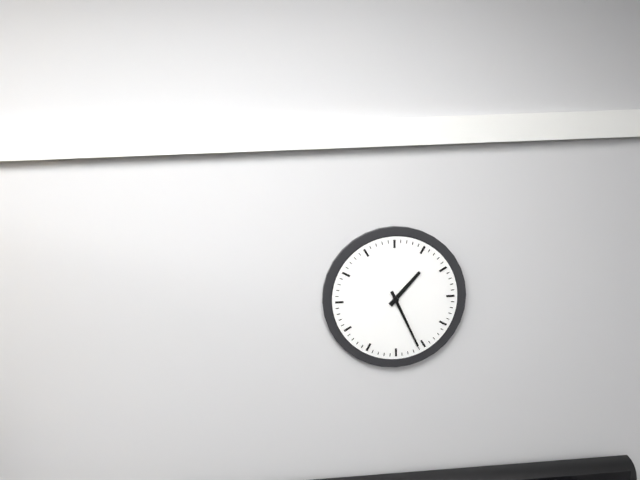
1:26
